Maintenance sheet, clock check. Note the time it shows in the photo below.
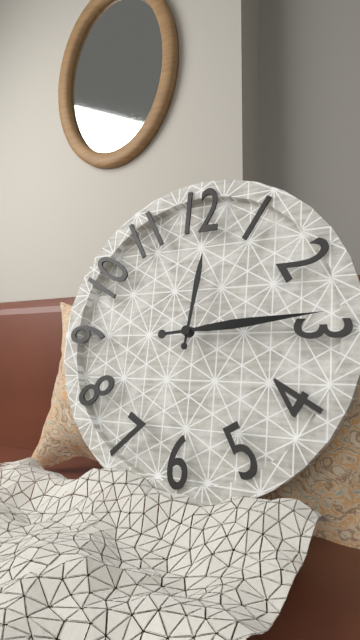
12:14
